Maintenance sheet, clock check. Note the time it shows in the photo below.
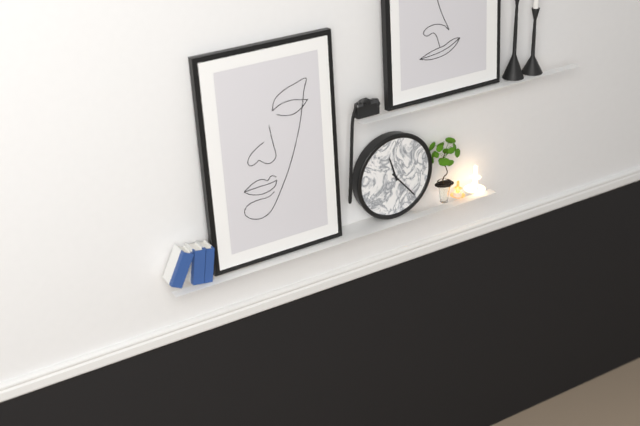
11:23
